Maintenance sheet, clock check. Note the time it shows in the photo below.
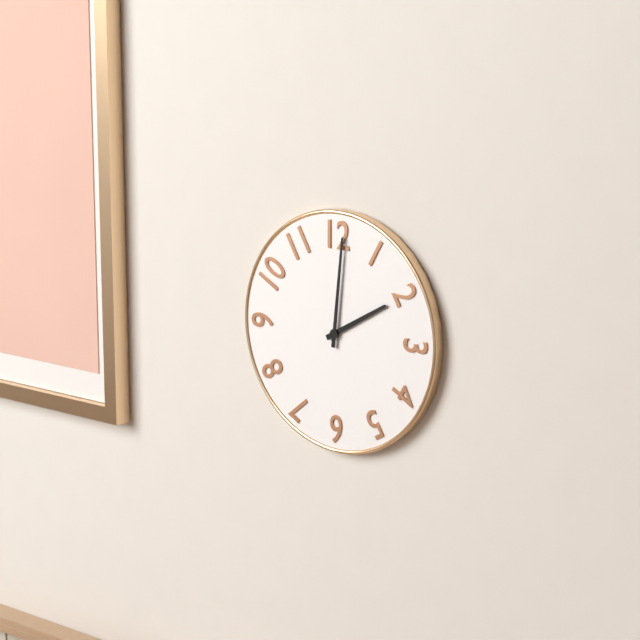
2:01
